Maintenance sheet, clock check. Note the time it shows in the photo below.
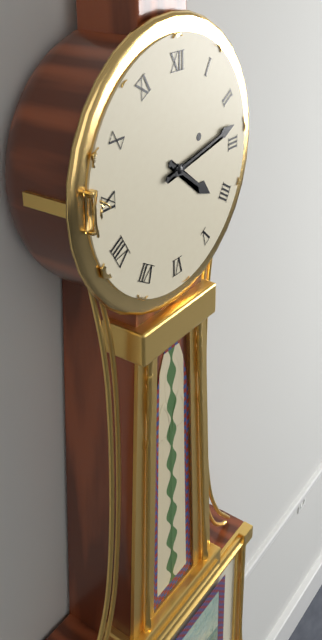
4:13
